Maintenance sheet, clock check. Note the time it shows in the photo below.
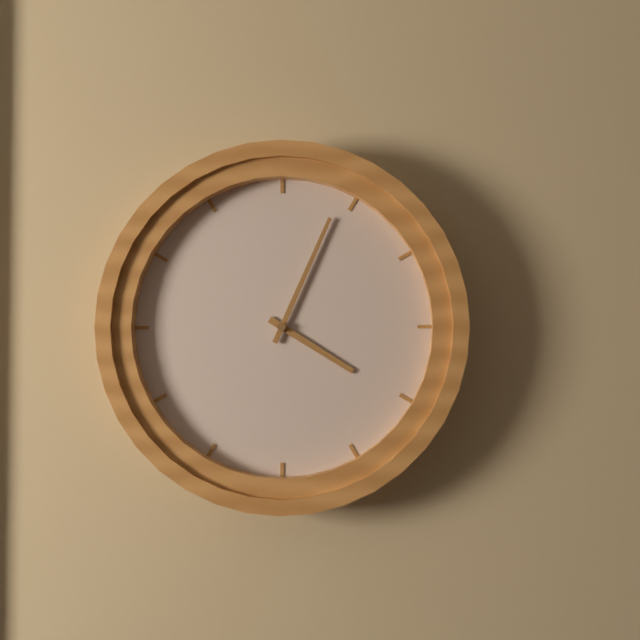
4:04
